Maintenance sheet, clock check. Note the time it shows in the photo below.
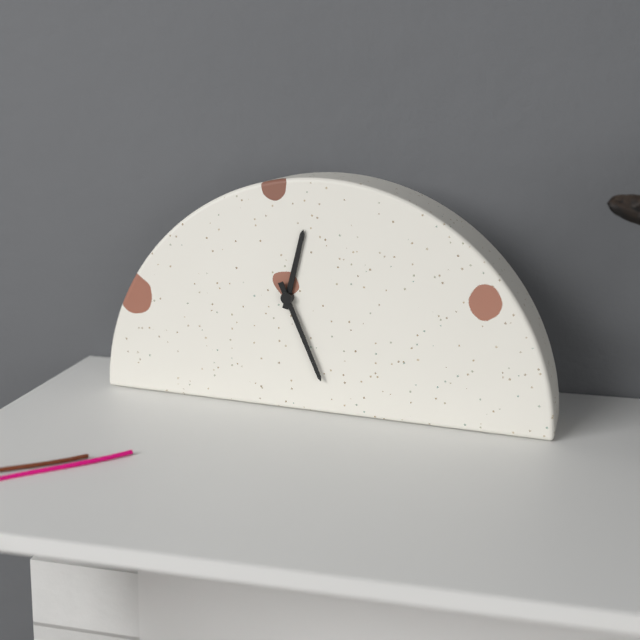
12:26
